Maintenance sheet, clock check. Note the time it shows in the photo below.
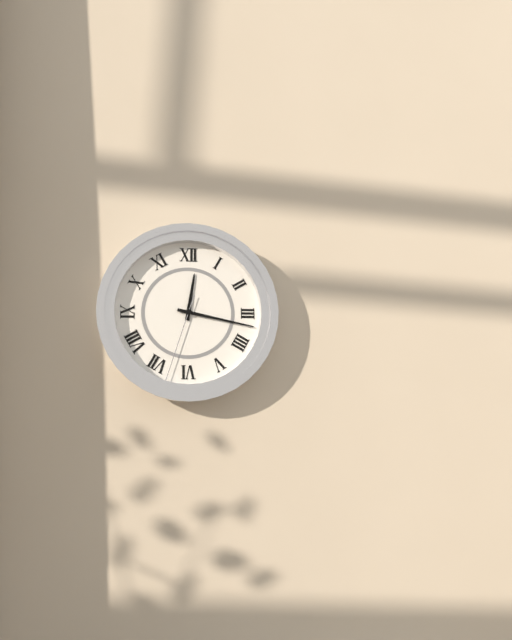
12:17:33
